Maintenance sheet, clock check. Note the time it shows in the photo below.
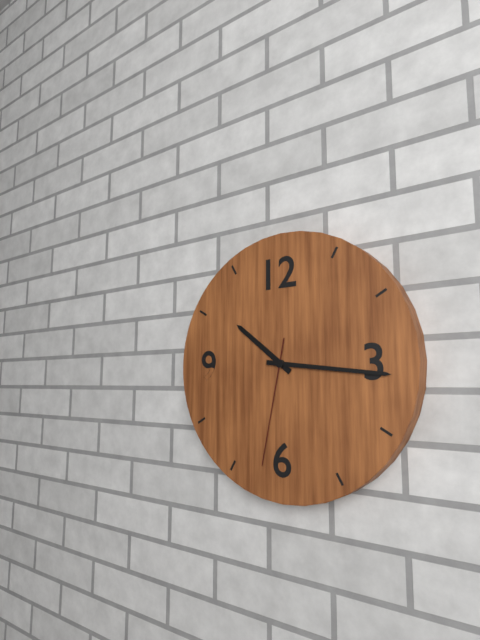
10:16:32
